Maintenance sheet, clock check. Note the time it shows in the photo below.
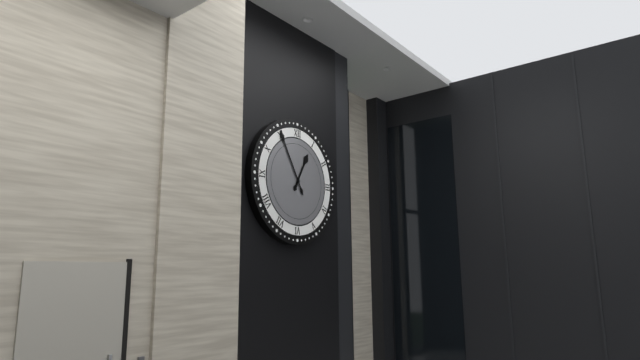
12:55
